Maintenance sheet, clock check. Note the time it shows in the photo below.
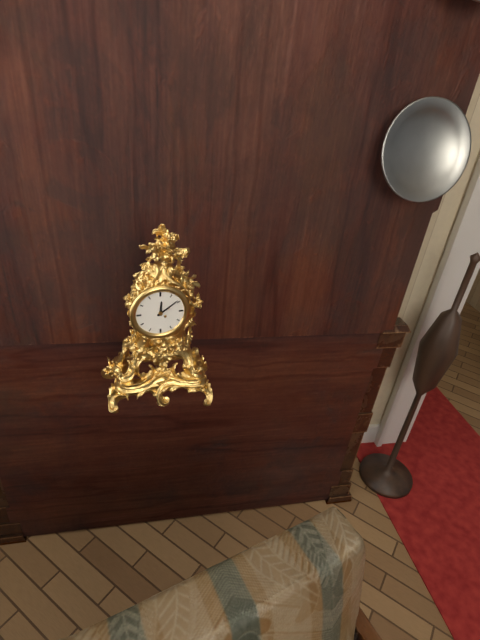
12:09
